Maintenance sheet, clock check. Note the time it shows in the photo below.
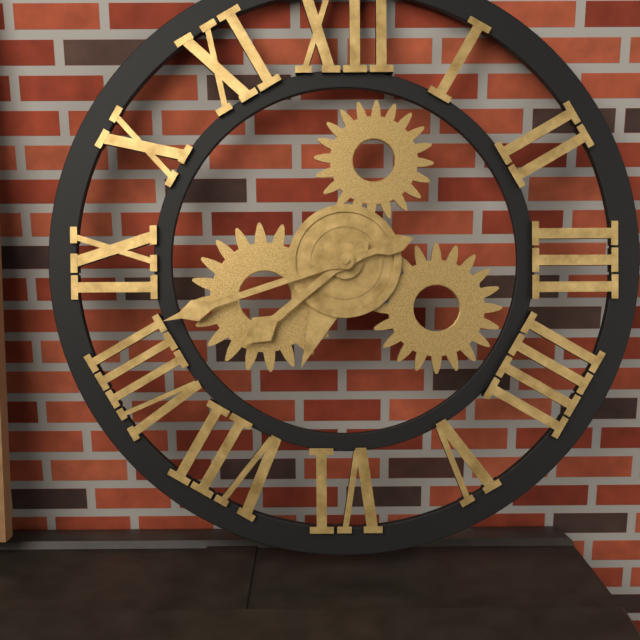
7:42
